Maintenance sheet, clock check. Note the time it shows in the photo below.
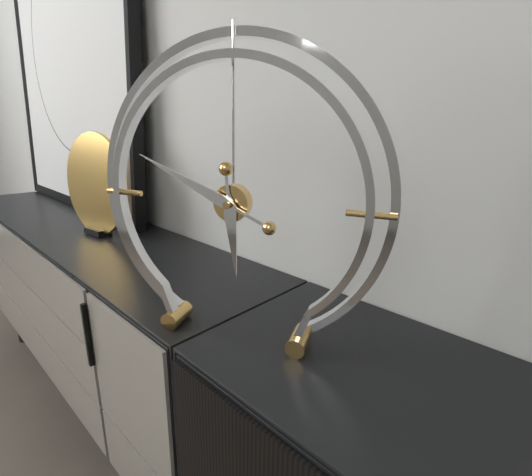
5:49
